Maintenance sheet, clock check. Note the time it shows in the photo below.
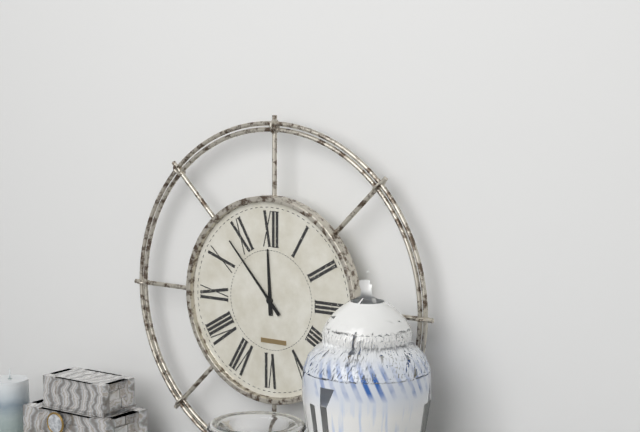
11:53
